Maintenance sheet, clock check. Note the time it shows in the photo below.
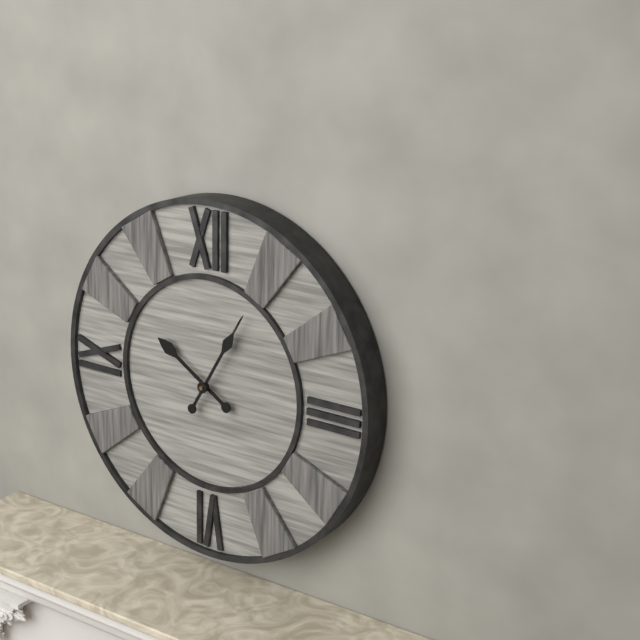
10:05
